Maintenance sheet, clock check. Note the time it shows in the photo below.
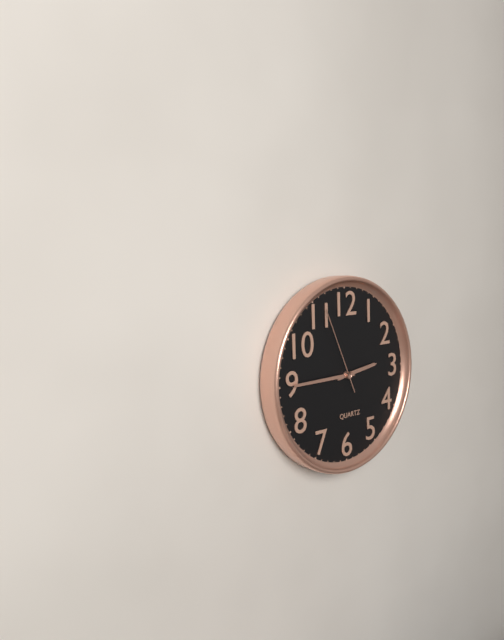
2:45:56
